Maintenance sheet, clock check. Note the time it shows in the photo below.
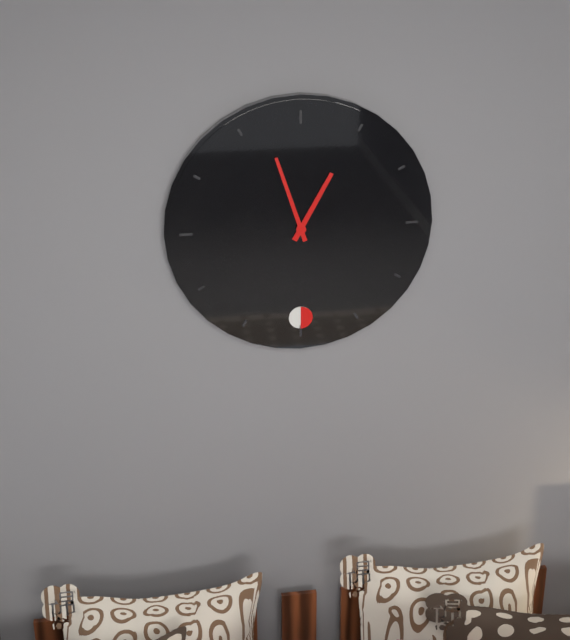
12:57
